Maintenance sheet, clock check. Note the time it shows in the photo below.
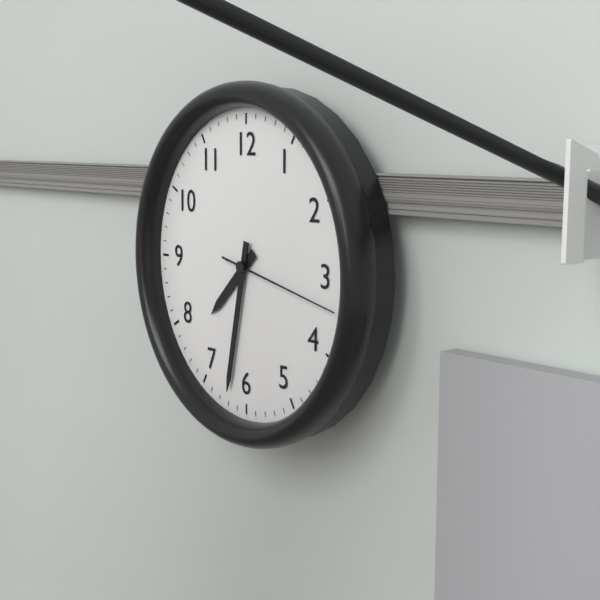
7:32:17
